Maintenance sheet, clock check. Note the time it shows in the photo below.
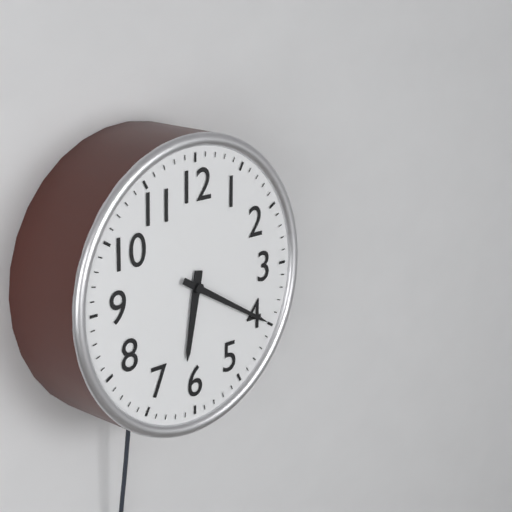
6:20
